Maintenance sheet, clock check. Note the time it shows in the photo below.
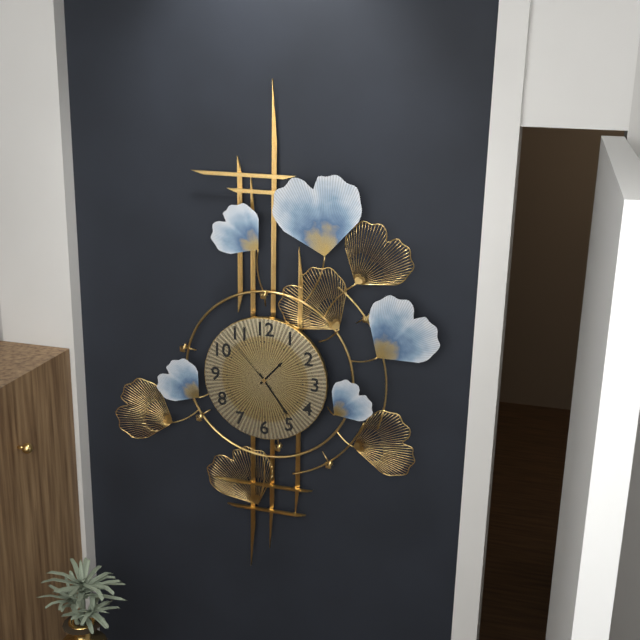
1:24:53
